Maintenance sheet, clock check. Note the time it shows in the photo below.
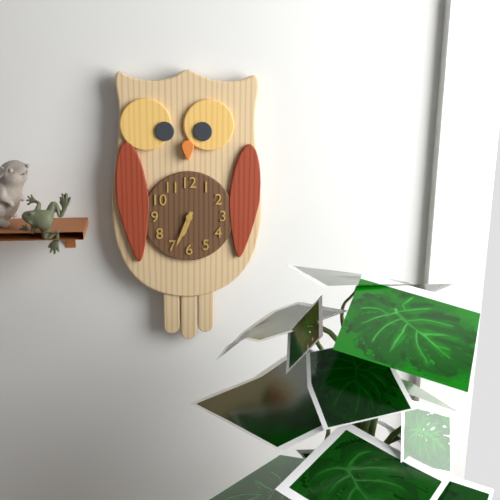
6:34
